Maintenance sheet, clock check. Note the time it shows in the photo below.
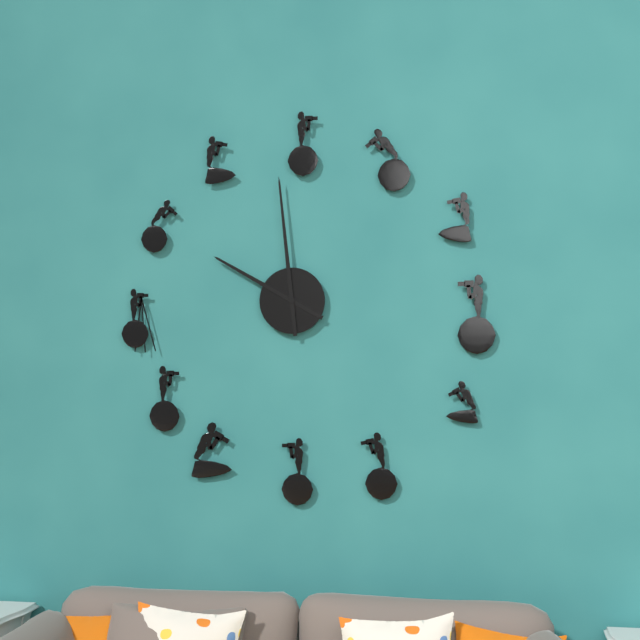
9:59
